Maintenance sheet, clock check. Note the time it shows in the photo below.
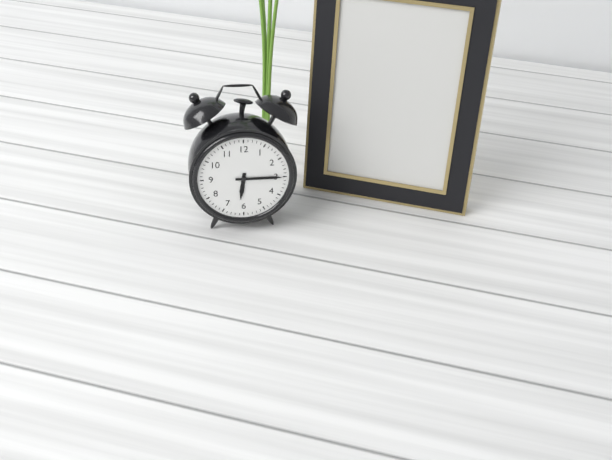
6:15
